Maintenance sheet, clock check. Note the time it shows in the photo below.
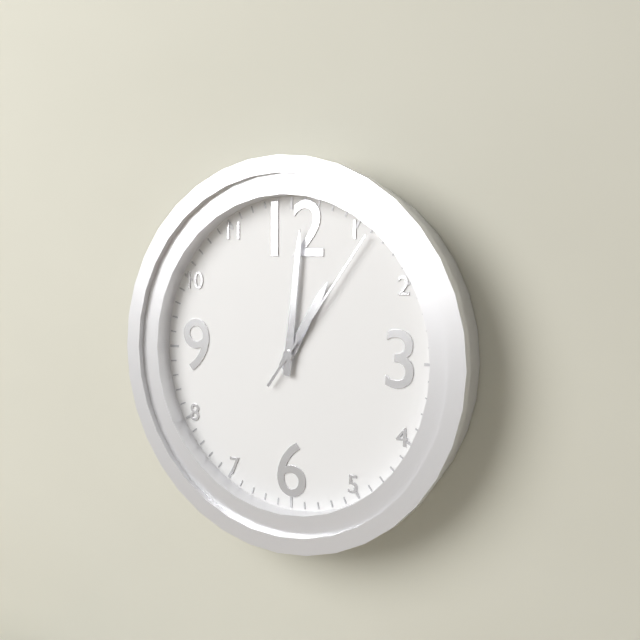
1:01:06
